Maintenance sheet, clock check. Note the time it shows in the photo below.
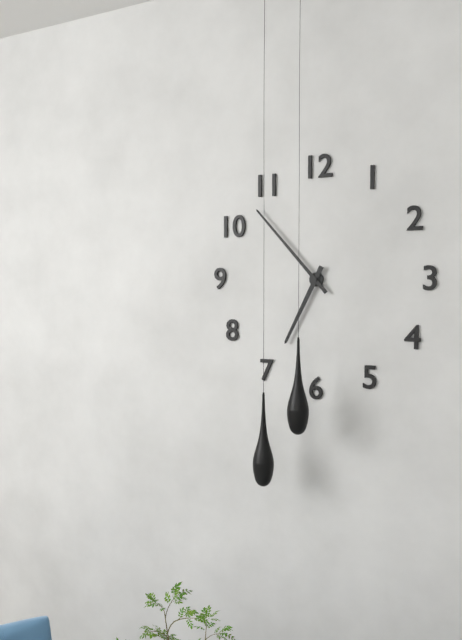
6:53
